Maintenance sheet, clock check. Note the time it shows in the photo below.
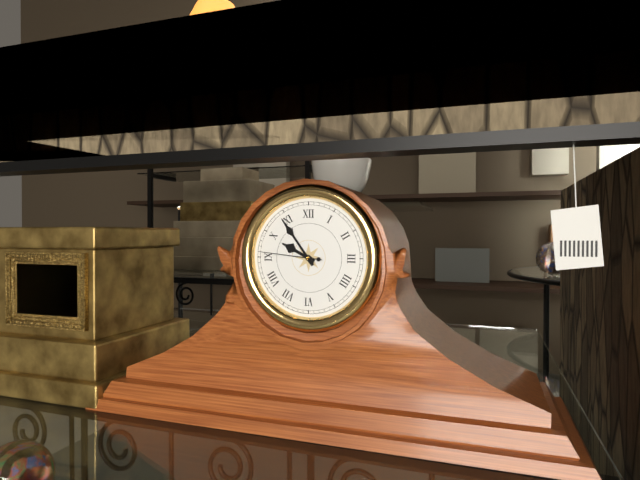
9:54:46
